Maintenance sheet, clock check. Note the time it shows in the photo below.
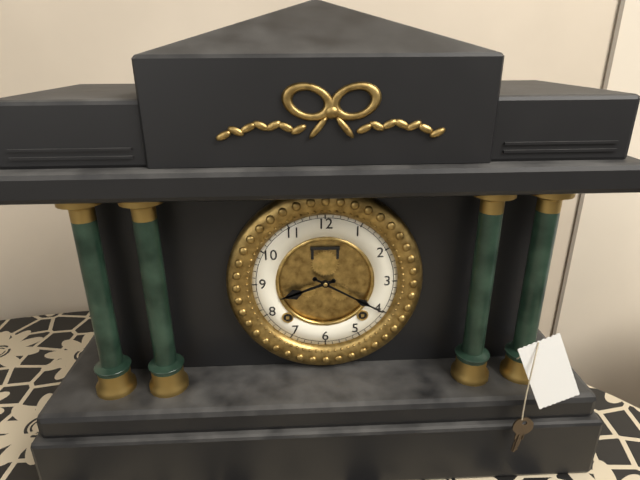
8:20
